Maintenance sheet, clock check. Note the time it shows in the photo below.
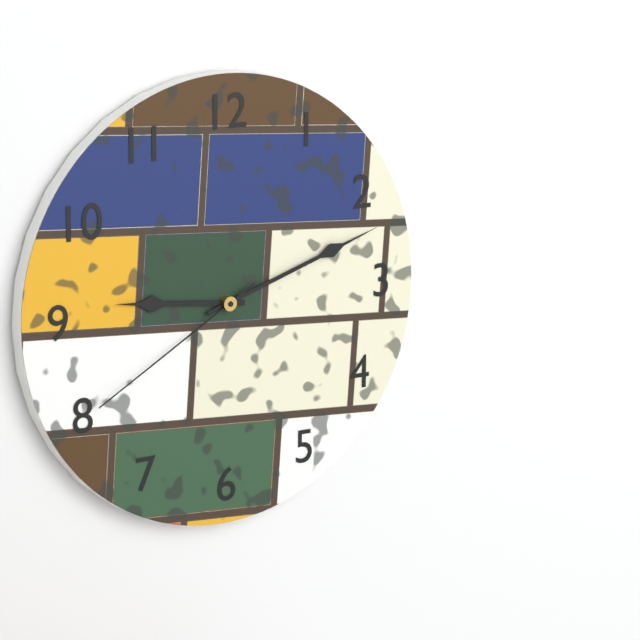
9:12:40
